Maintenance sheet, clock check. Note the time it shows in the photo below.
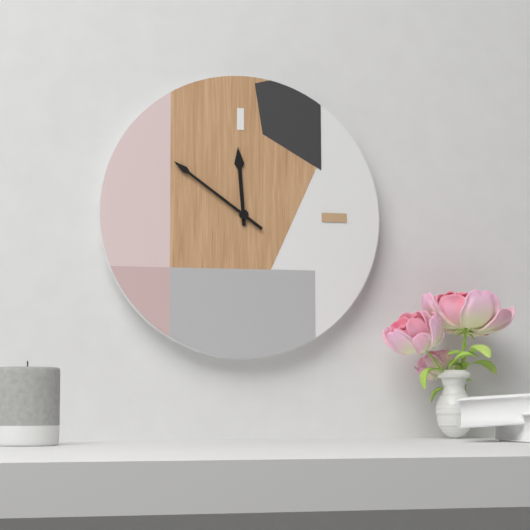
11:51
